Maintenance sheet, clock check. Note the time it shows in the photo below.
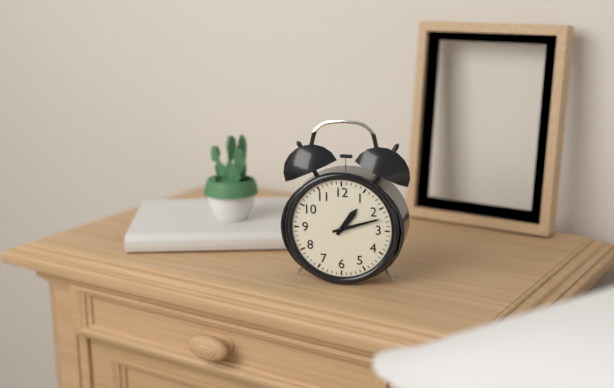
1:12
